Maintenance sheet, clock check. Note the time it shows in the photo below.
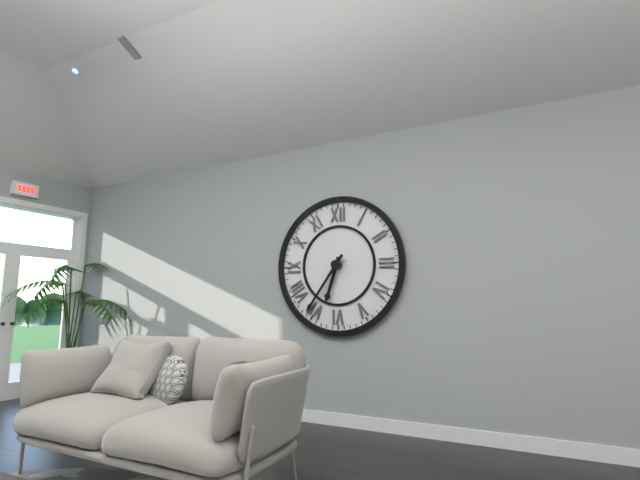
6:36
